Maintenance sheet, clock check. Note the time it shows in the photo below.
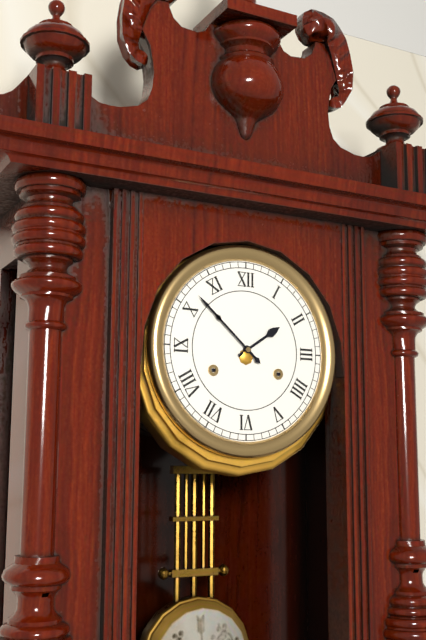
1:52
